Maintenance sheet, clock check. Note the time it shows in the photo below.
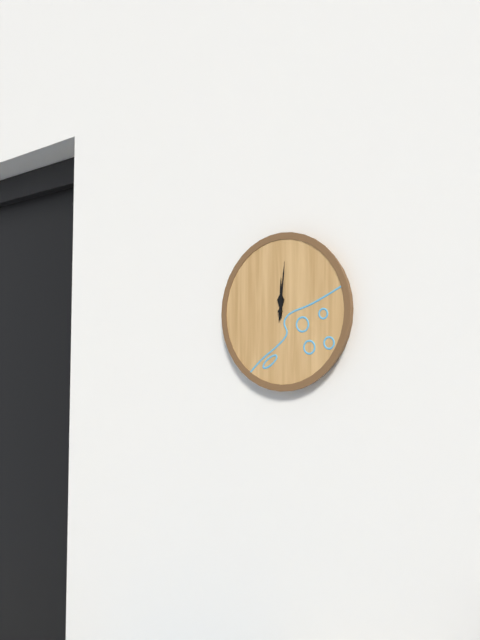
12:01
